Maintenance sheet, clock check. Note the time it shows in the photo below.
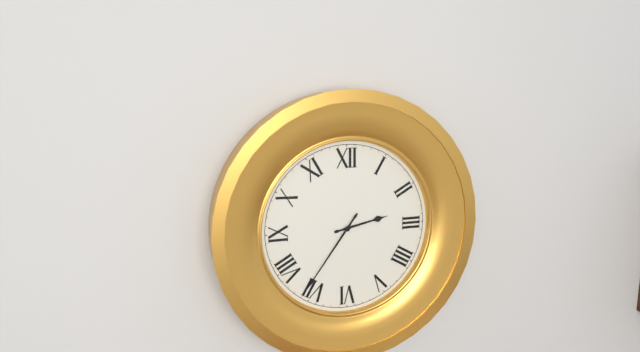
2:36
